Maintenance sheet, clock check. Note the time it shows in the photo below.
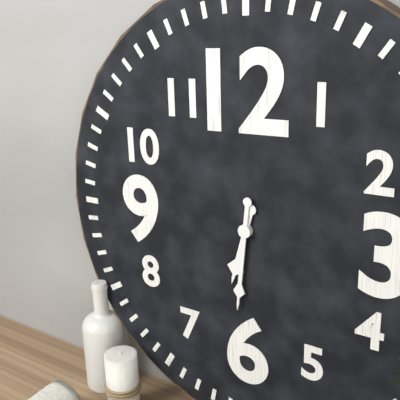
6:31
